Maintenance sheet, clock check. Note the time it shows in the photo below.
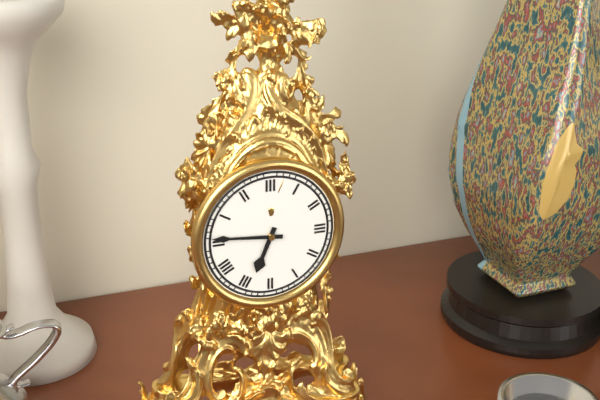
6:46
